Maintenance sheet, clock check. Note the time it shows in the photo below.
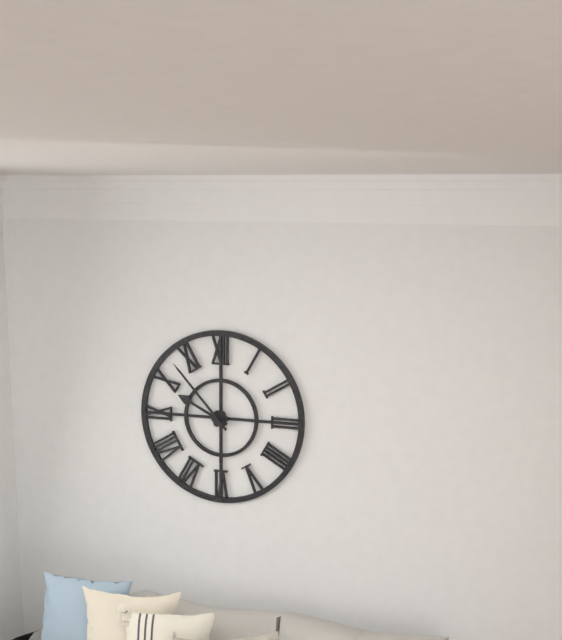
9:53
